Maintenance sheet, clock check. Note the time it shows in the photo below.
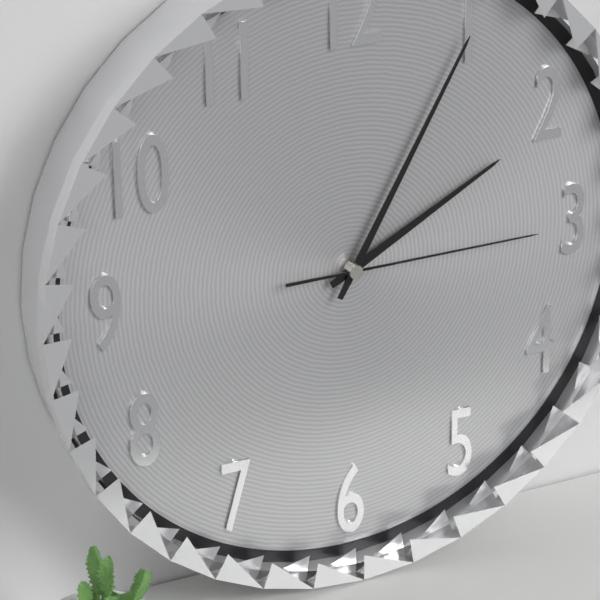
2:05:15
